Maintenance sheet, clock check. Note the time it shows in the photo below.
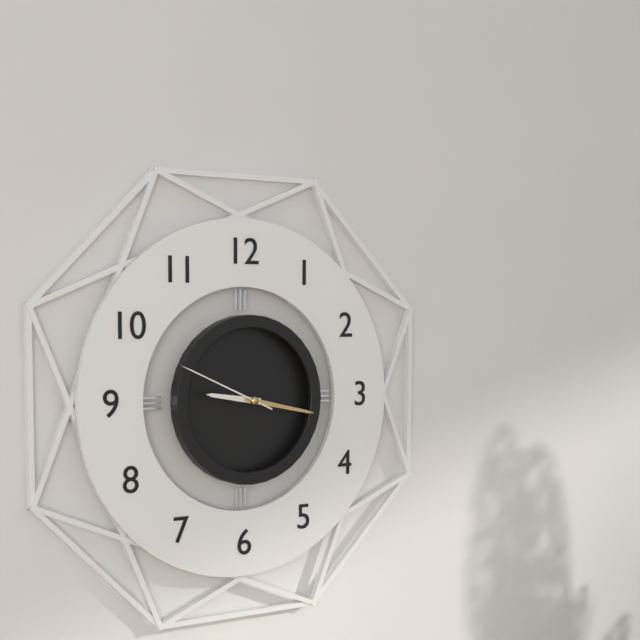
9:17:49
